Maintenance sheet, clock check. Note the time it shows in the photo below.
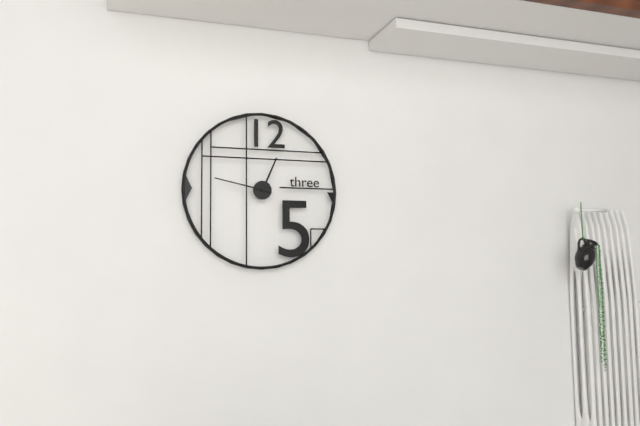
12:47
